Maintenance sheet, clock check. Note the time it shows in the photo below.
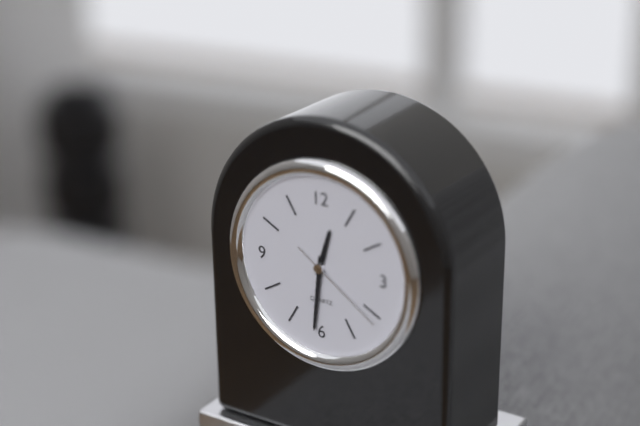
12:31:21
